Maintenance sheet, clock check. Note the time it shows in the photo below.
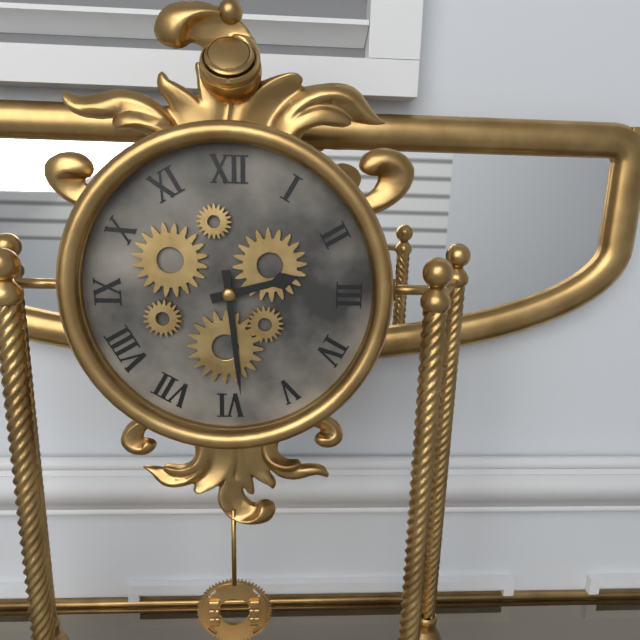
2:29
